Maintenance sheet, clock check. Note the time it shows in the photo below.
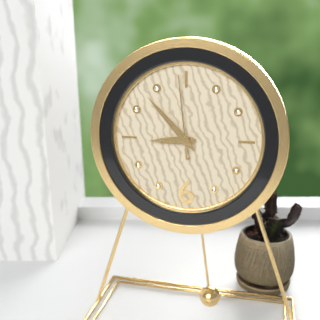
8:53:59
